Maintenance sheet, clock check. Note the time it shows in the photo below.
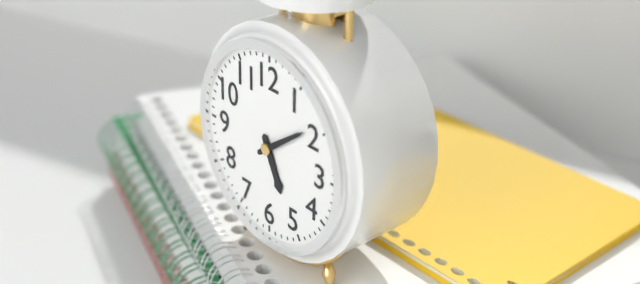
5:09
